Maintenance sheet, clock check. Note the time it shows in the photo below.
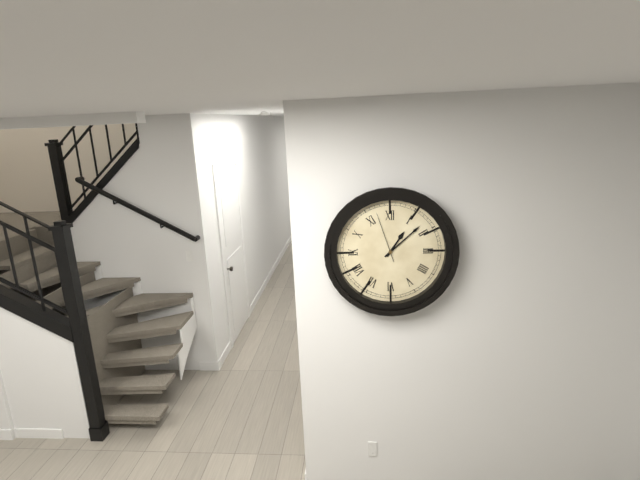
1:08:57
